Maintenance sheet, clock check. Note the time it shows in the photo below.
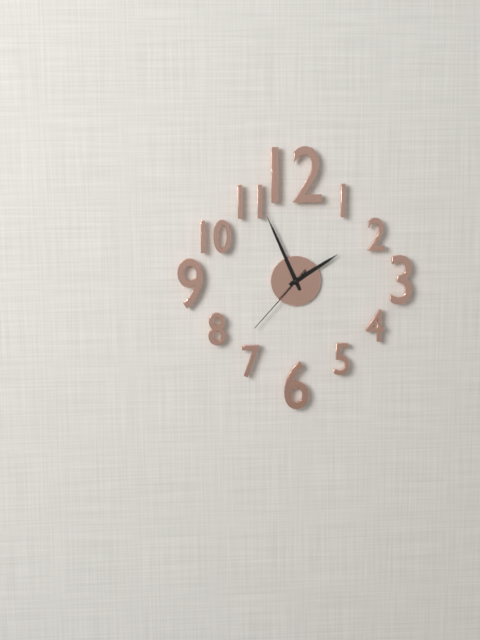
1:56:37
